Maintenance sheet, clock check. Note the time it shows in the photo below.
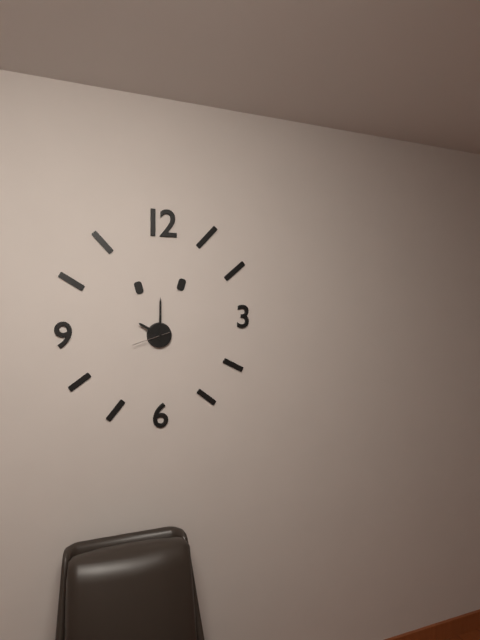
10:00
